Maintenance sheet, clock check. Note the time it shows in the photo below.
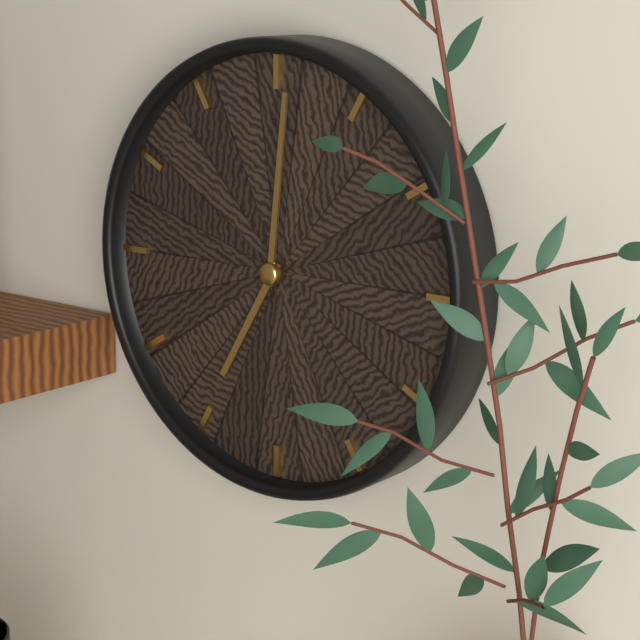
7:01
